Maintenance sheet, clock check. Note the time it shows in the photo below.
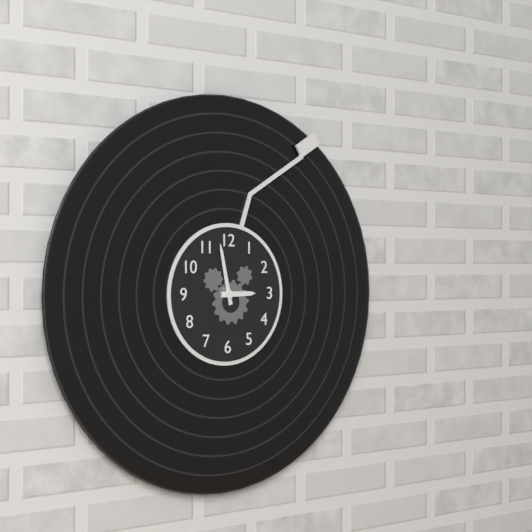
2:58
